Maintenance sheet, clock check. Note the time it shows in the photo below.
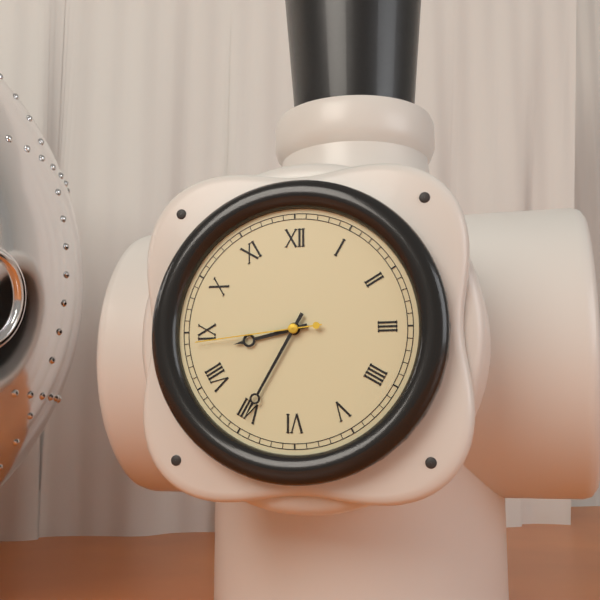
8:35:44
